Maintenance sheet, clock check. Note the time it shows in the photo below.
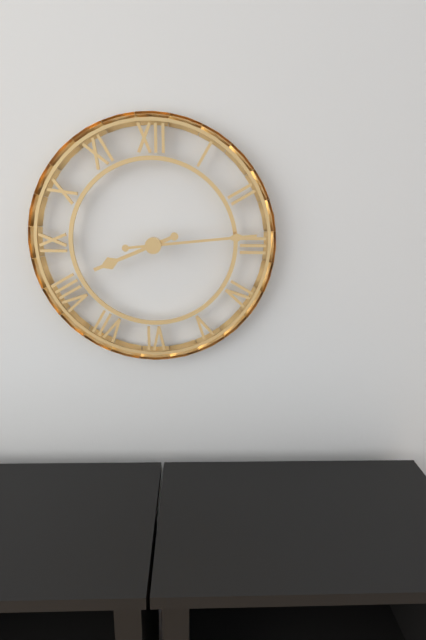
8:14
